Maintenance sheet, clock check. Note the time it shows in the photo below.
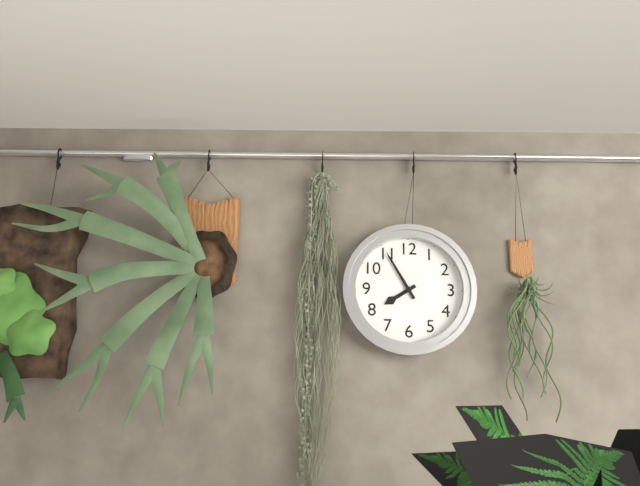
7:55
